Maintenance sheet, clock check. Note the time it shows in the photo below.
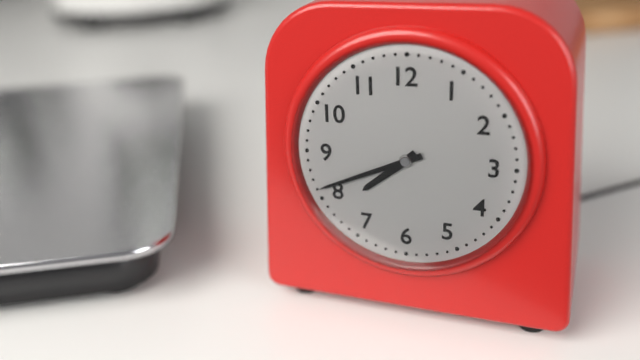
7:41
